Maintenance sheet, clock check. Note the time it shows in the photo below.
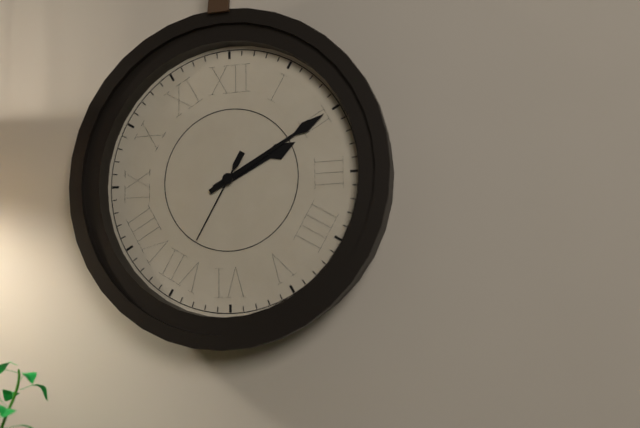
2:10:35
